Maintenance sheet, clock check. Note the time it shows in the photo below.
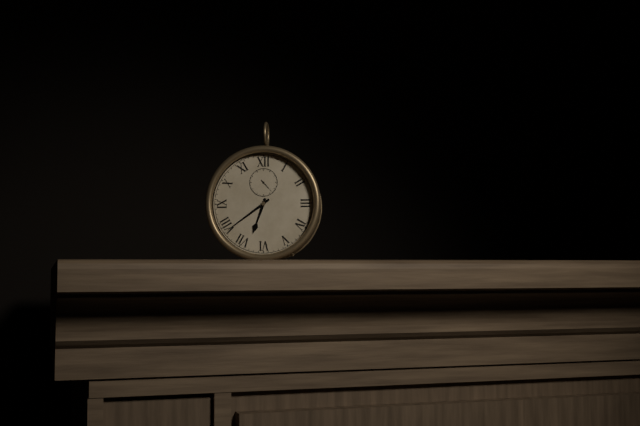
6:39
